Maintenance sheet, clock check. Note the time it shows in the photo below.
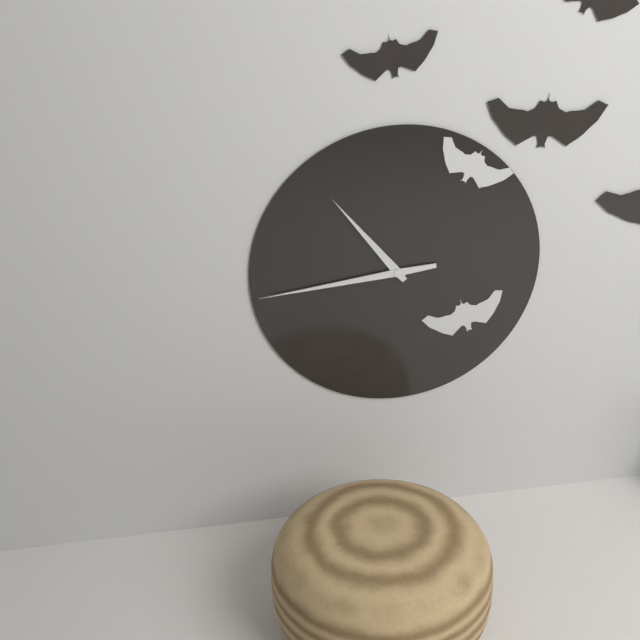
10:44
